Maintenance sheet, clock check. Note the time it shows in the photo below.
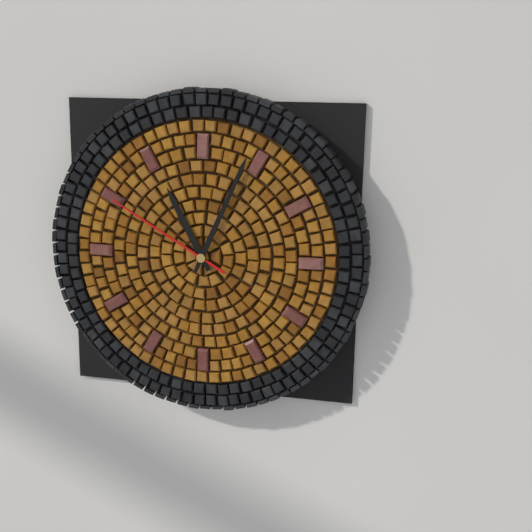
11:04:50
